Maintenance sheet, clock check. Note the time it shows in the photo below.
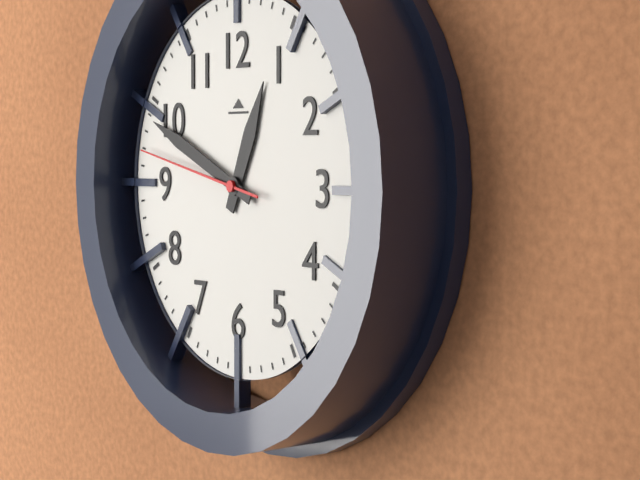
12:49:47
